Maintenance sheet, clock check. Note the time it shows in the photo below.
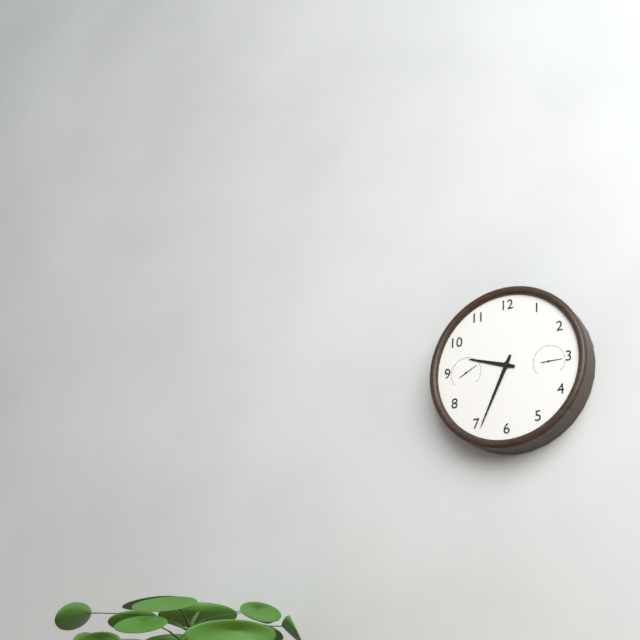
9:34
